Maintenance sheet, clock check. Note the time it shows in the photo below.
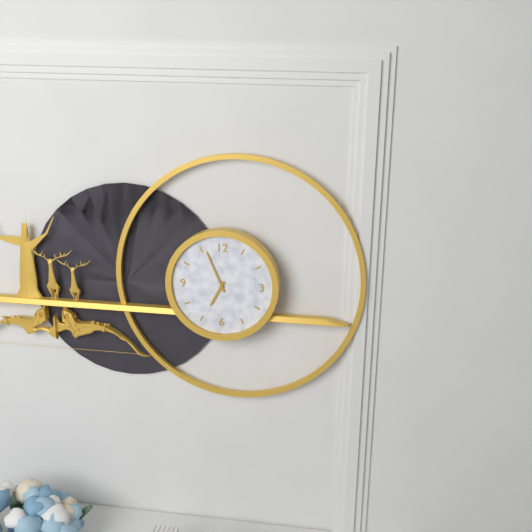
6:56
